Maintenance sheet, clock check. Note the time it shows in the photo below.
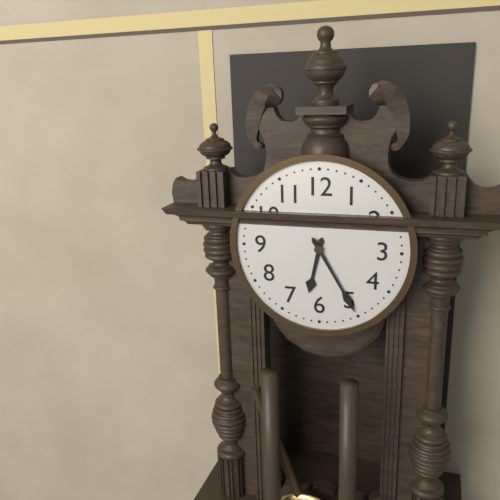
6:25
